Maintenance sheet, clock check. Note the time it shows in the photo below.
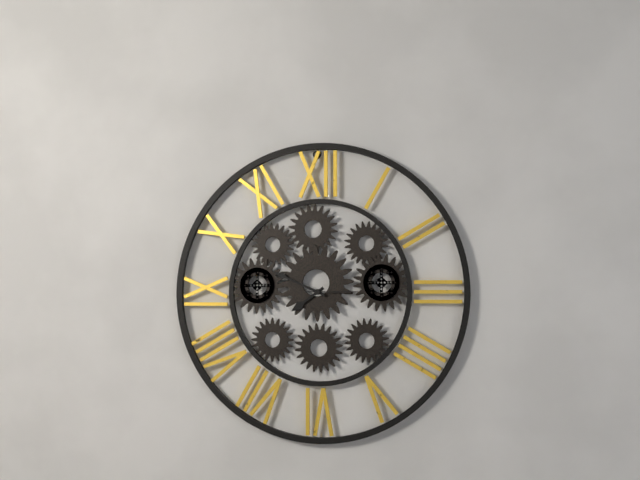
7:49
